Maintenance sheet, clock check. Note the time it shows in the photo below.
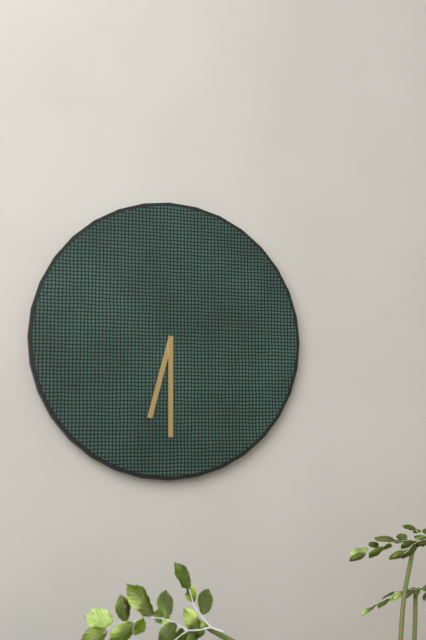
6:30
